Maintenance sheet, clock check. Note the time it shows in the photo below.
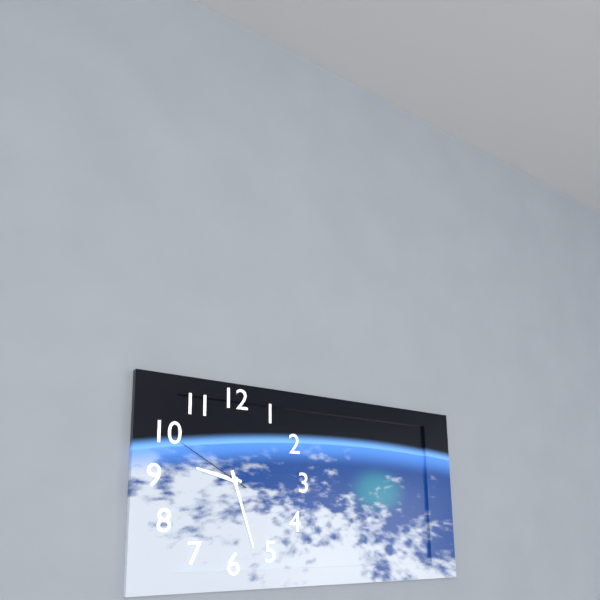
9:27:50
